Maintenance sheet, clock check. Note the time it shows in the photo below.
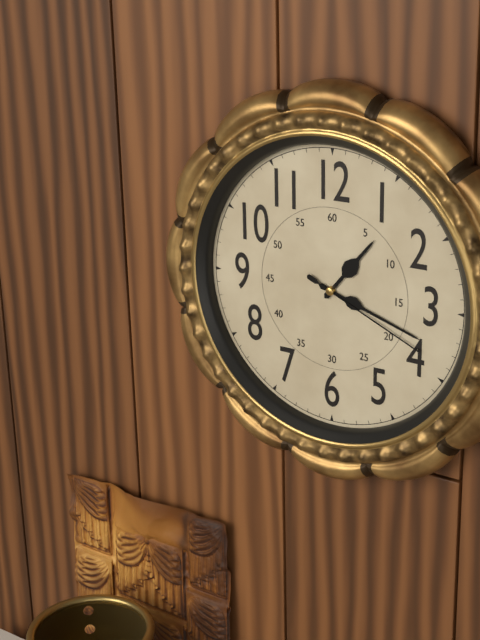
1:18:19
